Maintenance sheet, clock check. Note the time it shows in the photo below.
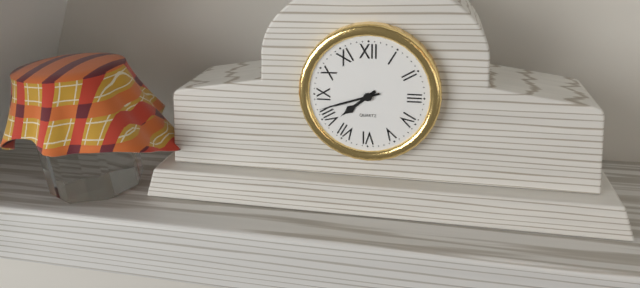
7:42
